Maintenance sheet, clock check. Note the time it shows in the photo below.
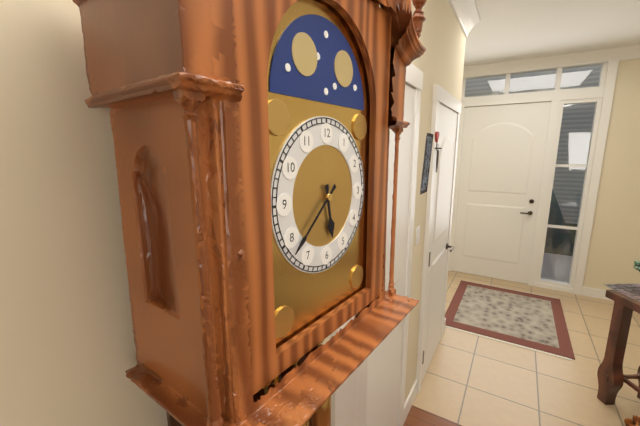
5:38
